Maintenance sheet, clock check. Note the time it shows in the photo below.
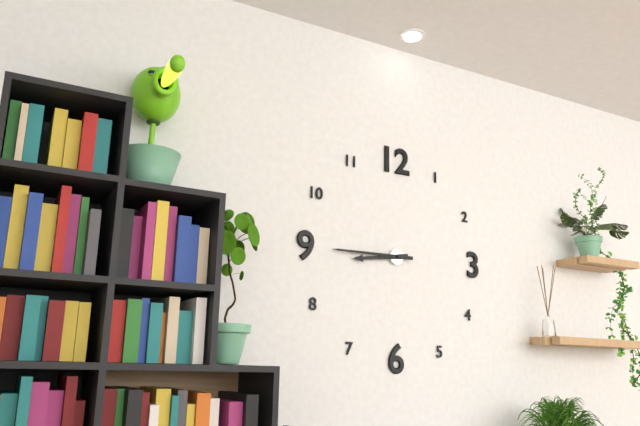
8:45
